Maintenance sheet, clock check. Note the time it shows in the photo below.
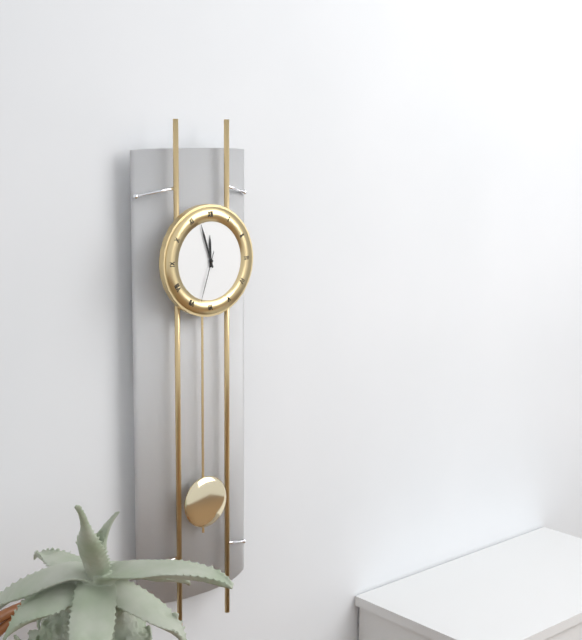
11:57:33
